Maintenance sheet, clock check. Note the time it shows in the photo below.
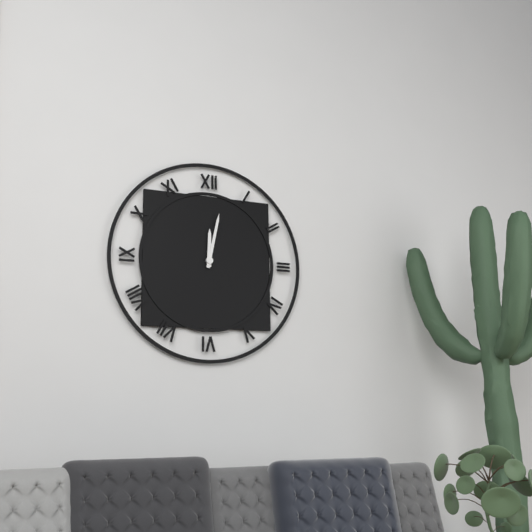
12:02
